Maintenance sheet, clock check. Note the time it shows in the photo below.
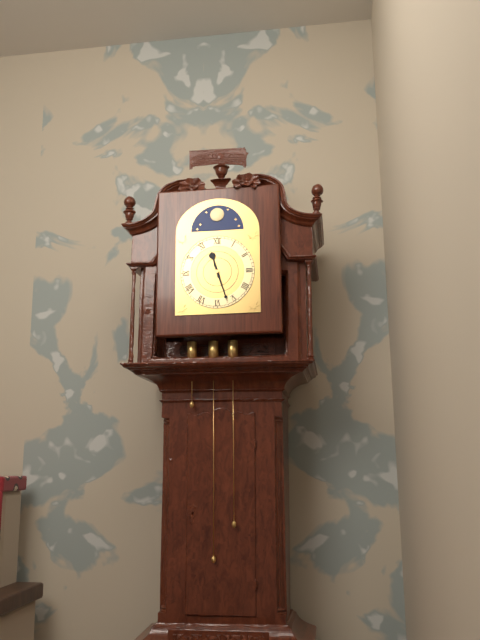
11:27
